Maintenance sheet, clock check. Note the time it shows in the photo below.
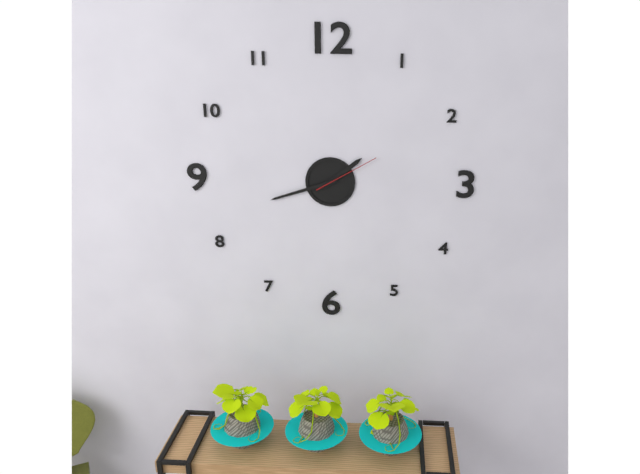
1:42:10
